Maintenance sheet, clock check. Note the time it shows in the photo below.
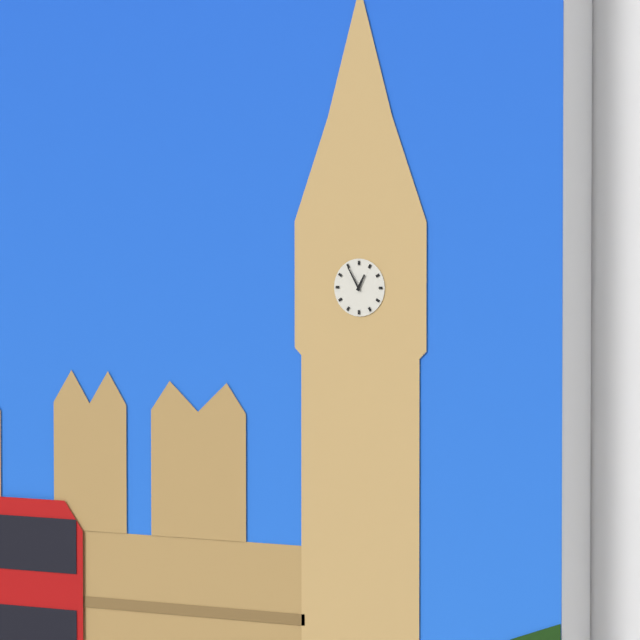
12:55
